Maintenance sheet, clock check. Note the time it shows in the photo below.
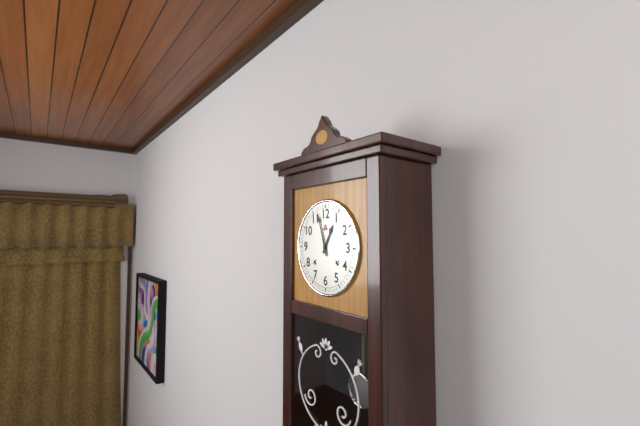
12:57
